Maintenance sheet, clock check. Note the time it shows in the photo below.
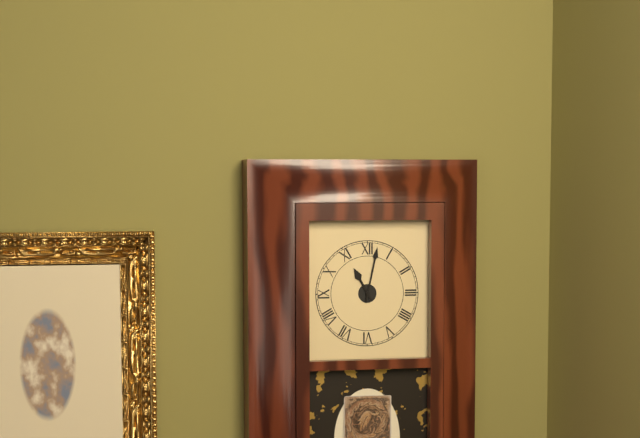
11:02
